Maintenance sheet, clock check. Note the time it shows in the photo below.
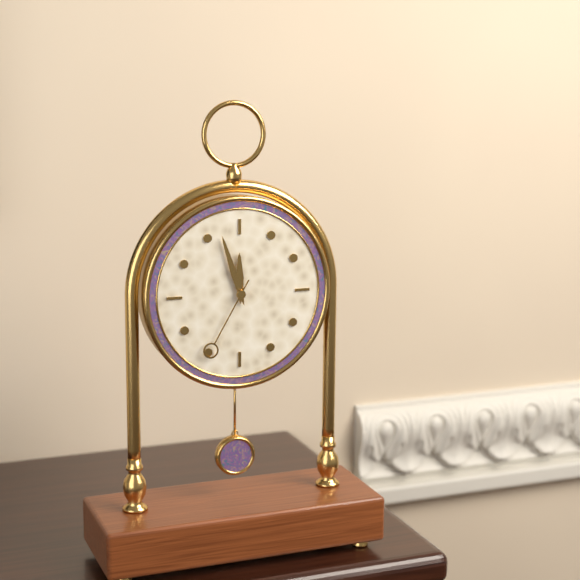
11:57:35
